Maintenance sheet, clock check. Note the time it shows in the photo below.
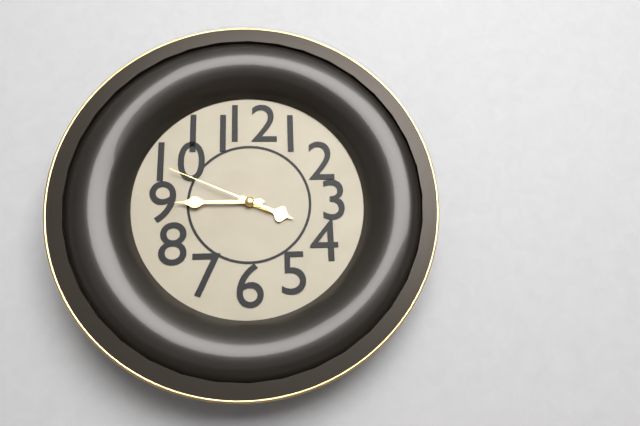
3:45:49
